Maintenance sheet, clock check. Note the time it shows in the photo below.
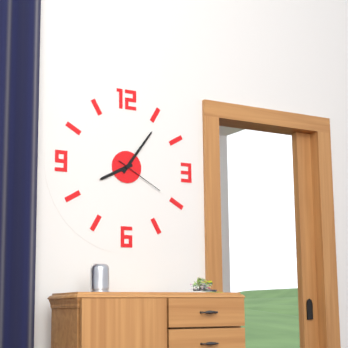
8:06:20
